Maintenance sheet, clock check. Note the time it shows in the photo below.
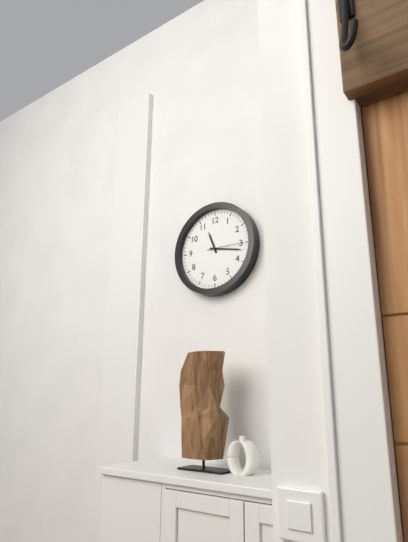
11:17
